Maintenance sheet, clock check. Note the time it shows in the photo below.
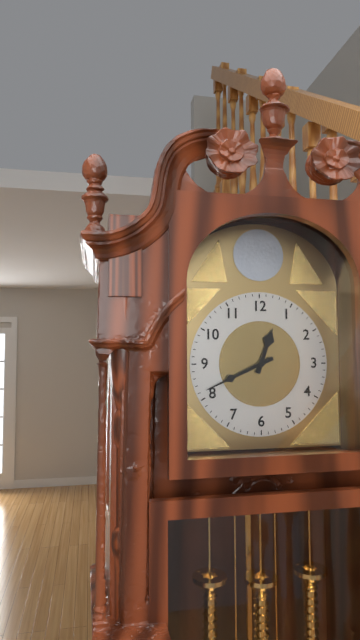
12:41
